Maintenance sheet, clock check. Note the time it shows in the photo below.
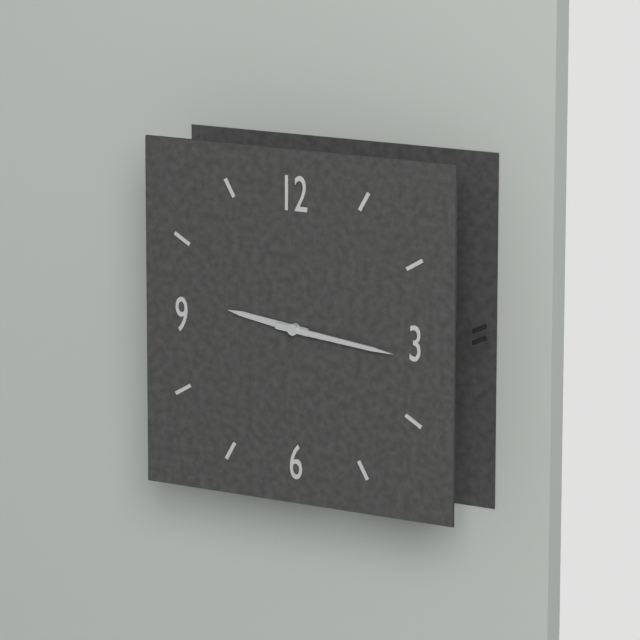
9:16
